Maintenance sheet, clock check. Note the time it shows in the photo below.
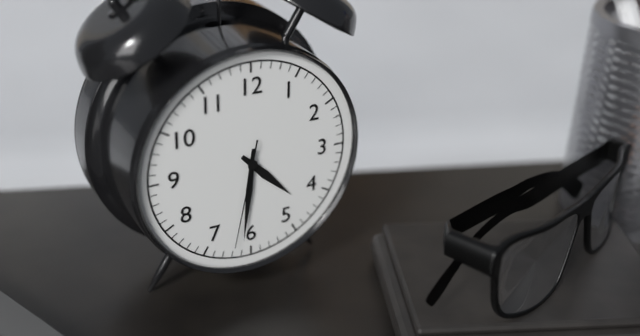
4:31:32
